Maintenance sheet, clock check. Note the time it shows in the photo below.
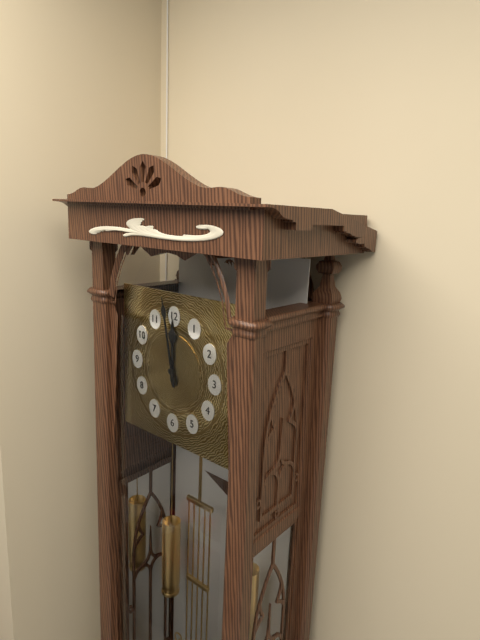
11:58
